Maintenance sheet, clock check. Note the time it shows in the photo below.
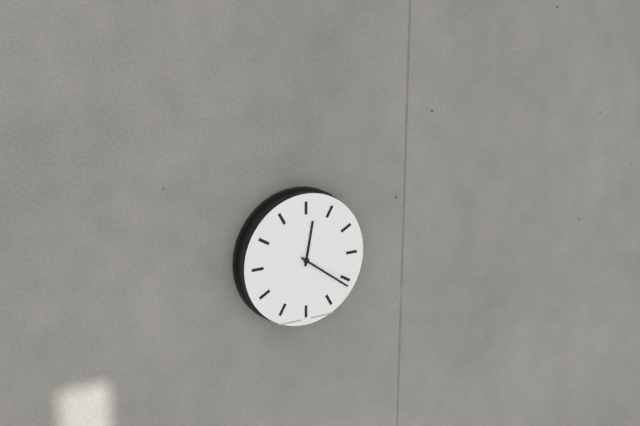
12:21
